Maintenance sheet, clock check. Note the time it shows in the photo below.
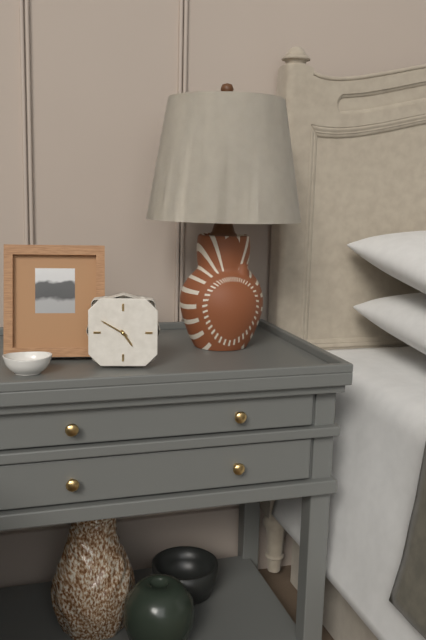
4:50
